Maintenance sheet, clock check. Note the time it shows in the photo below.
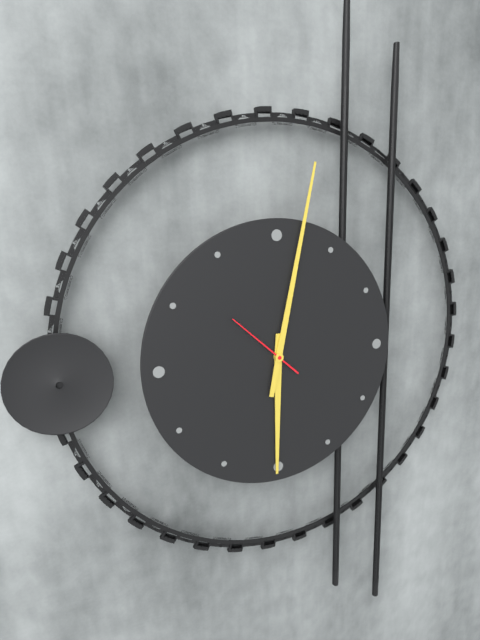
6:02:52
